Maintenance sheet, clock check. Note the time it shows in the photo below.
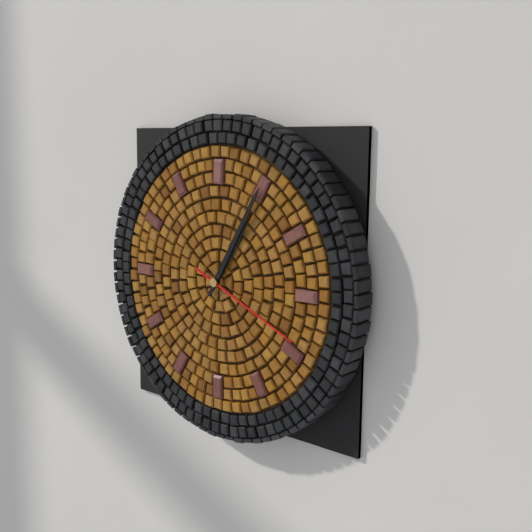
1:05:19
